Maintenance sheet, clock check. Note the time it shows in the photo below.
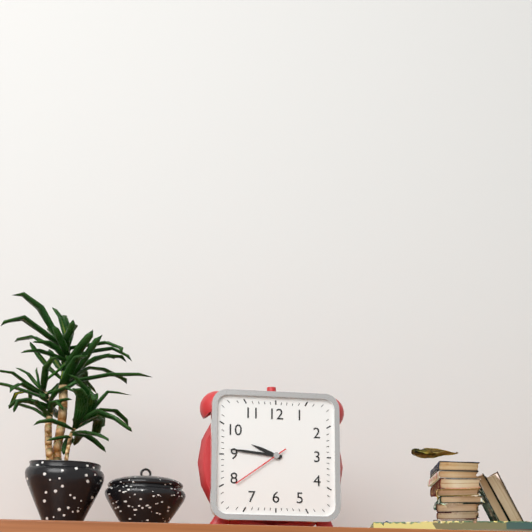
9:46:39
